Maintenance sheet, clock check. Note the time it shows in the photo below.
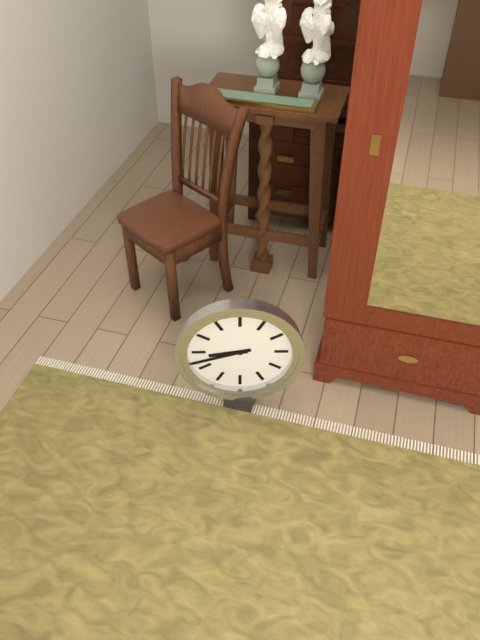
8:42
